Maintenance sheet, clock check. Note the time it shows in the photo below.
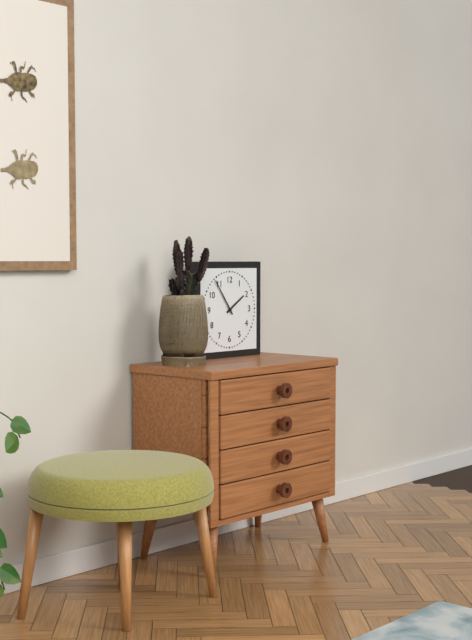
1:54
